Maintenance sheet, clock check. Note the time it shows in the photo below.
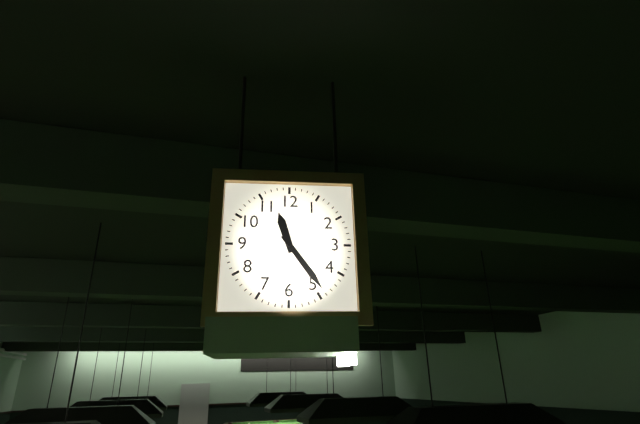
11:24
